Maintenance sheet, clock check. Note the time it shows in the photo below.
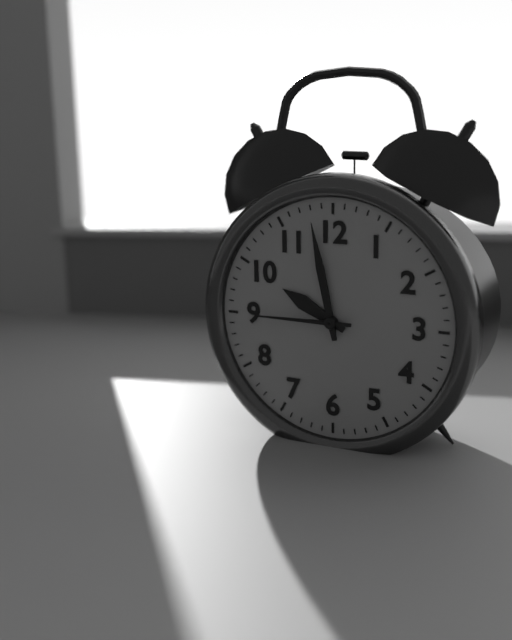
9:58:45
